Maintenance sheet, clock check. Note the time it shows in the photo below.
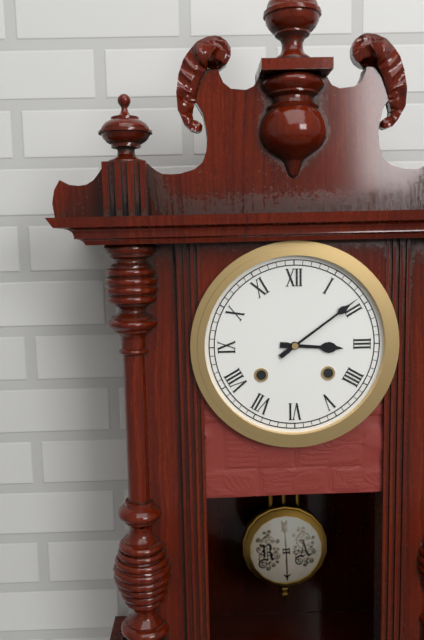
3:09
